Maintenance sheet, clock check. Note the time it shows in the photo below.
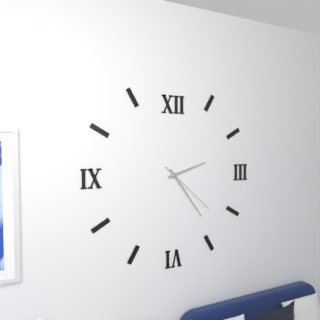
2:24:22
